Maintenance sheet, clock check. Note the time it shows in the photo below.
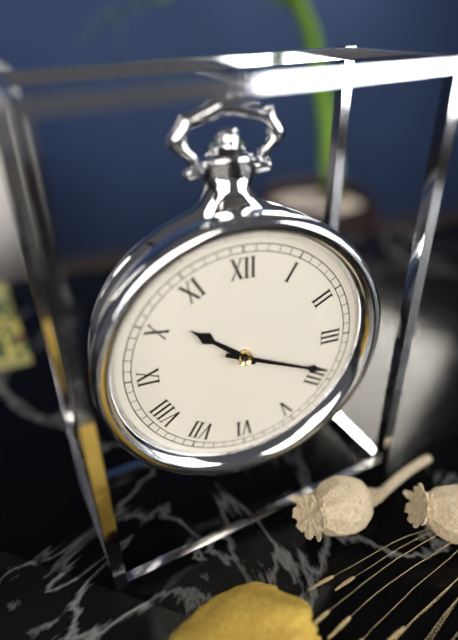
10:19
